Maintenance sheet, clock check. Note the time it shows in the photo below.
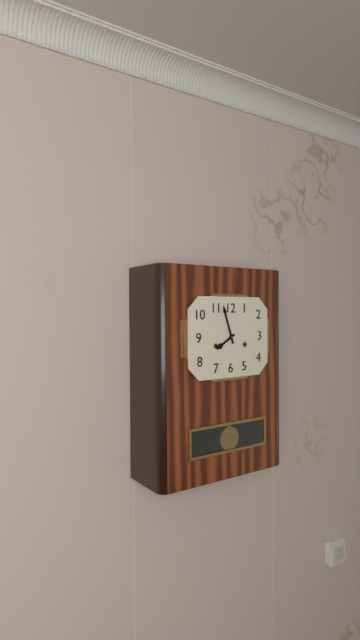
7:57
